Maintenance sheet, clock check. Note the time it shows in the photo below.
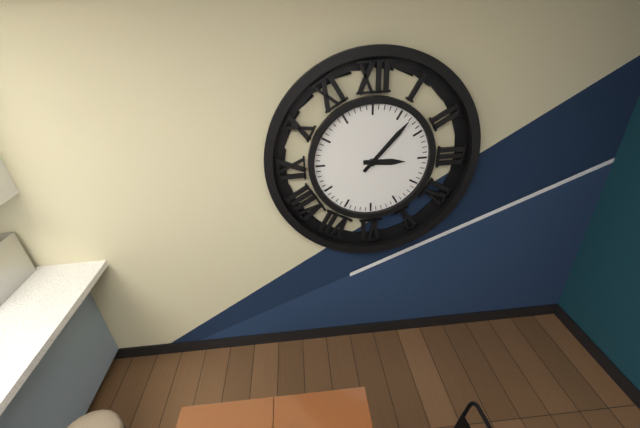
3:07
